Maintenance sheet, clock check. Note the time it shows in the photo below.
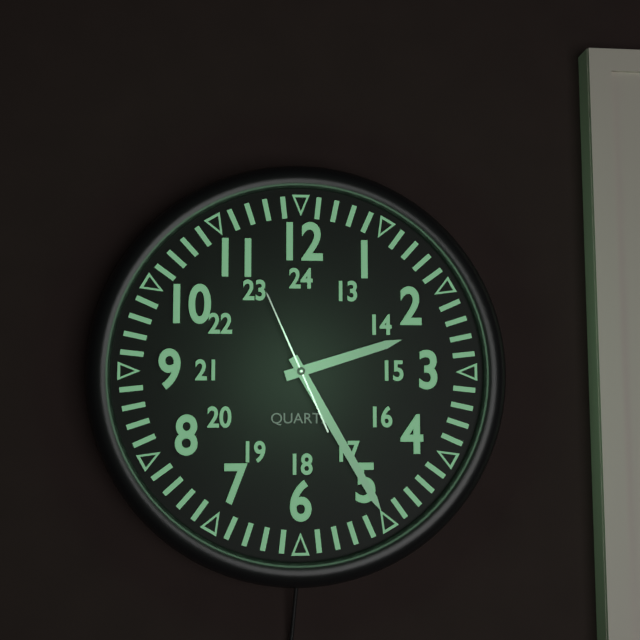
2:25:56
